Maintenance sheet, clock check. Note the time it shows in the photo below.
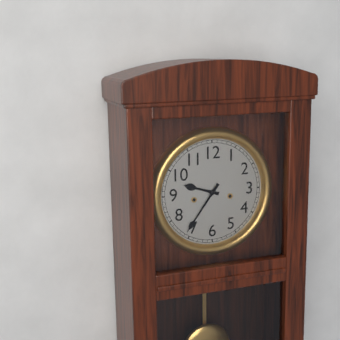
9:36
